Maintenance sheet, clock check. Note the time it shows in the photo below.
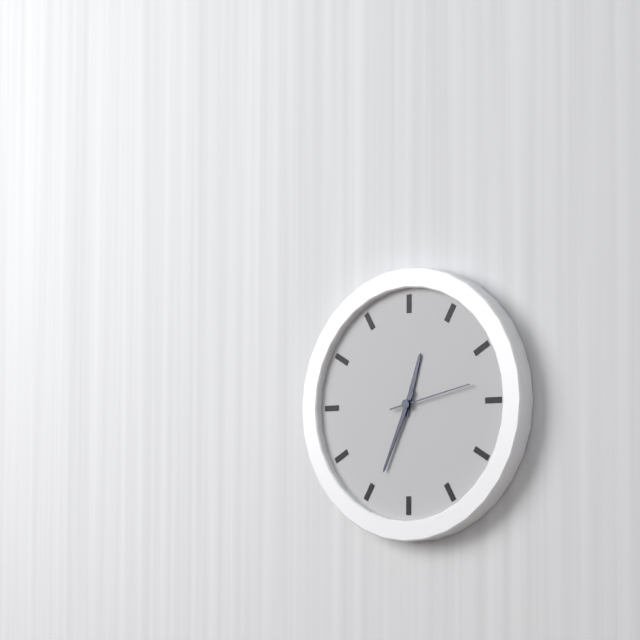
12:34:13
